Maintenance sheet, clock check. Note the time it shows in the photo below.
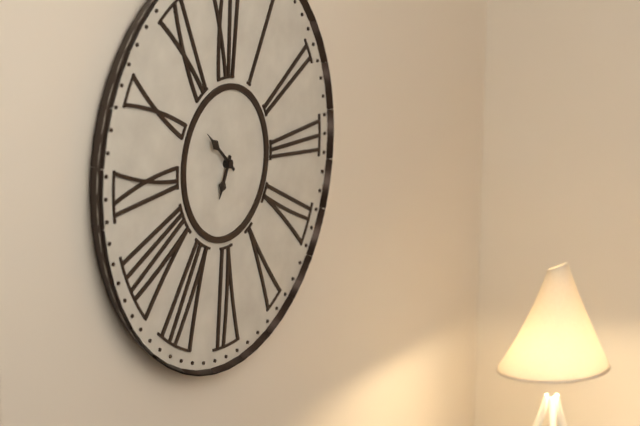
6:52
